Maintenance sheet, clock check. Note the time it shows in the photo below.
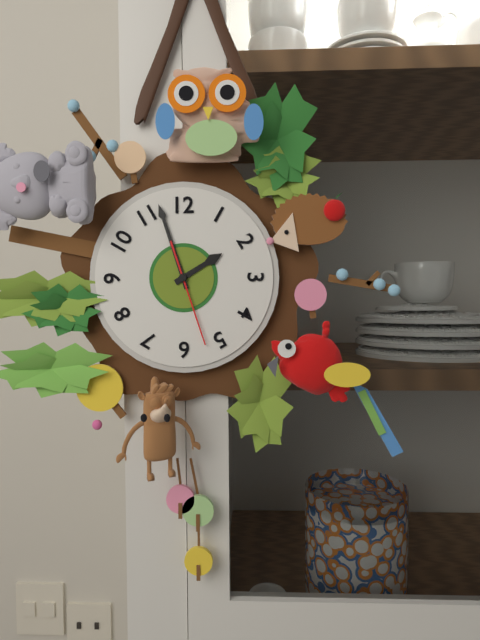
1:57:27
